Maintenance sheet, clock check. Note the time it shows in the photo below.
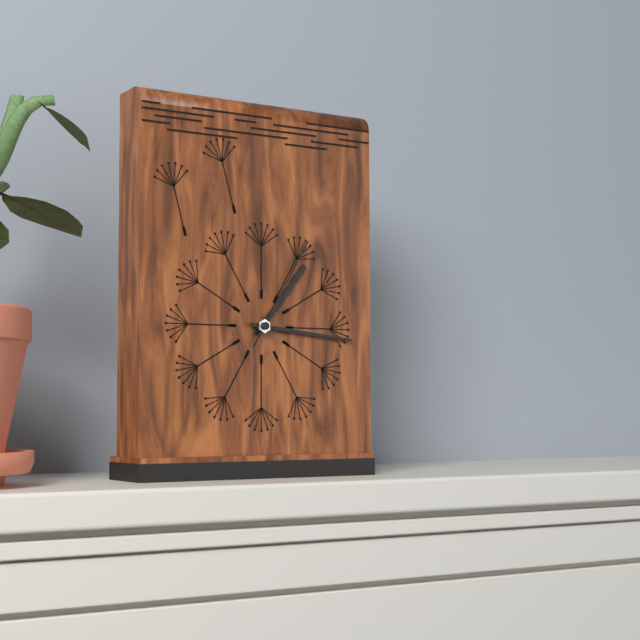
1:16:05
